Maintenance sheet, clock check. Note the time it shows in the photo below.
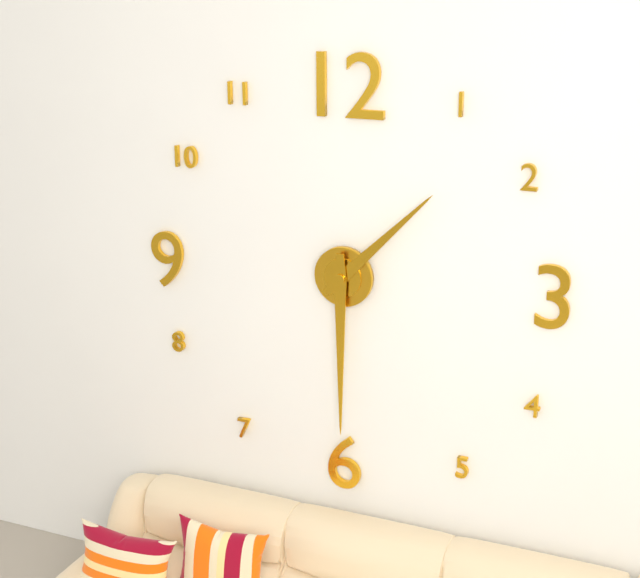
1:30
